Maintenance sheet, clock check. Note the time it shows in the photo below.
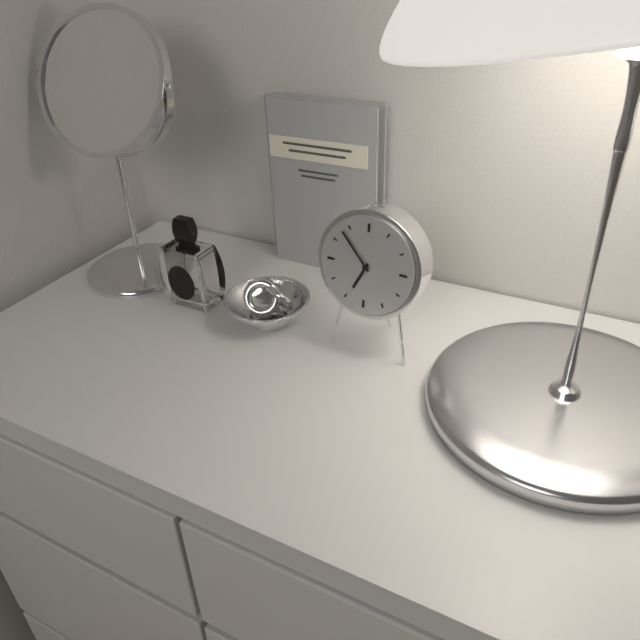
6:53
